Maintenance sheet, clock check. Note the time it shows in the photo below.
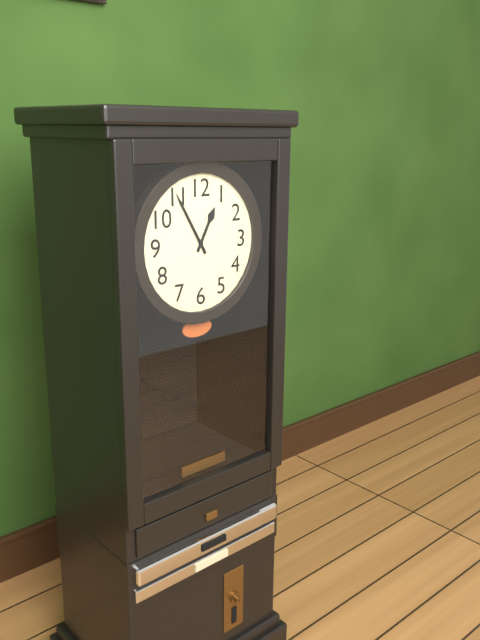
12:55
